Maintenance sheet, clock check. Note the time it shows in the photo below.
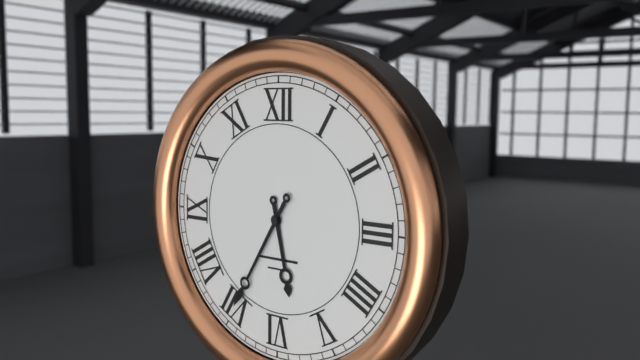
5:35
